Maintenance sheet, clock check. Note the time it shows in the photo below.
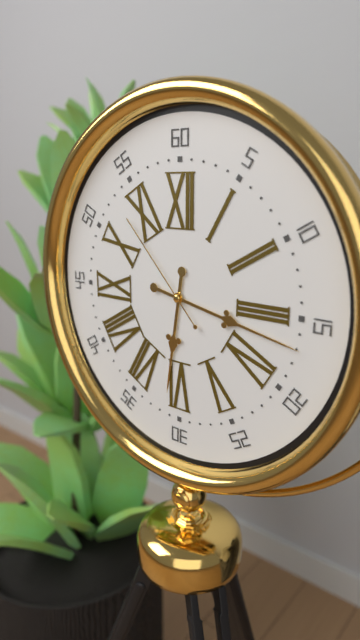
6:17:53
